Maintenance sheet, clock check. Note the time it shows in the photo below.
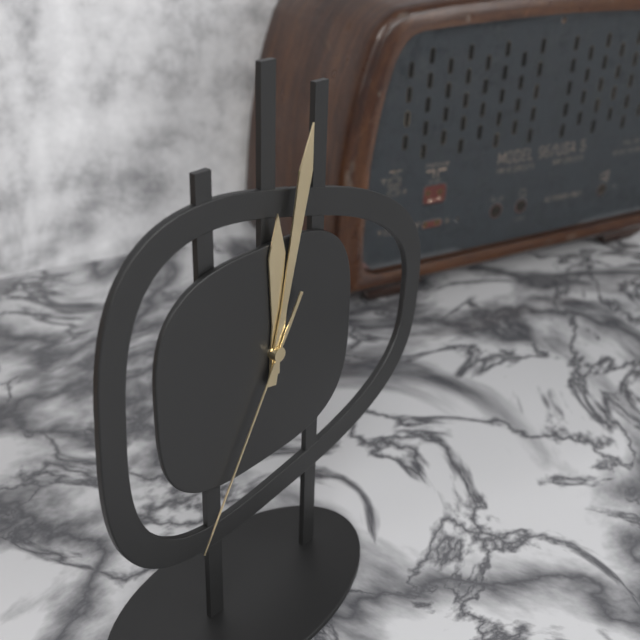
12:02:35
